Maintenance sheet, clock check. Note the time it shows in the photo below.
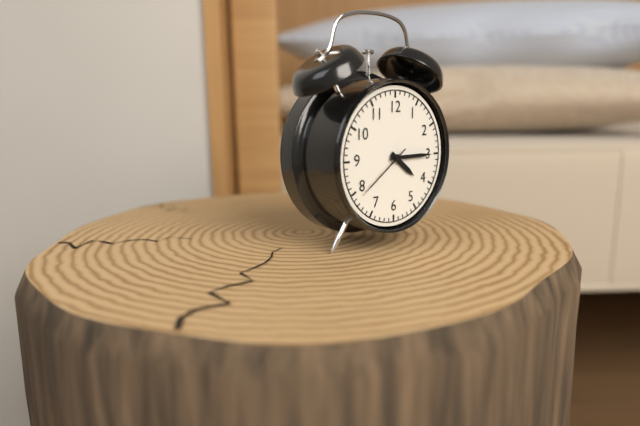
4:15:39
